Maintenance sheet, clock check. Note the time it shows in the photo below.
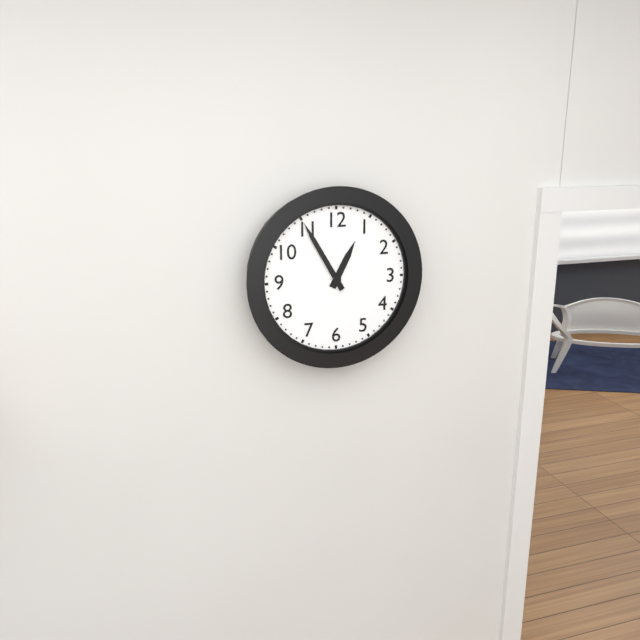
12:55
